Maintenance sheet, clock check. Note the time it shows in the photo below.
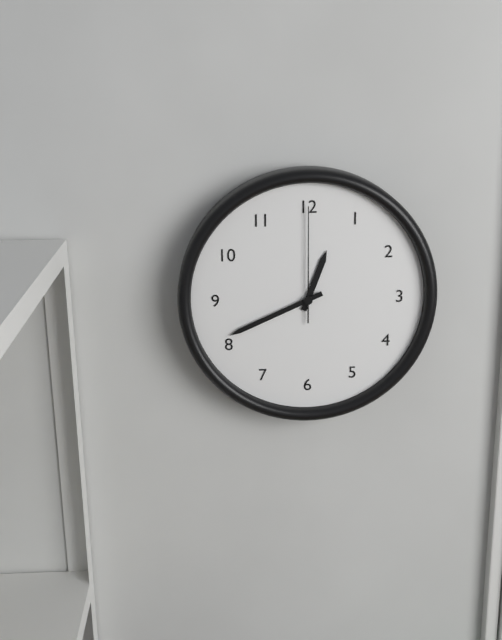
12:41:00
